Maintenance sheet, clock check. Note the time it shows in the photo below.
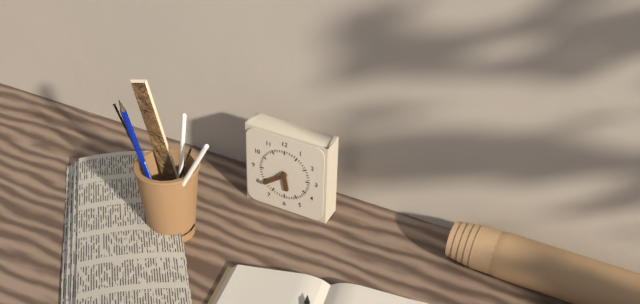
5:39
